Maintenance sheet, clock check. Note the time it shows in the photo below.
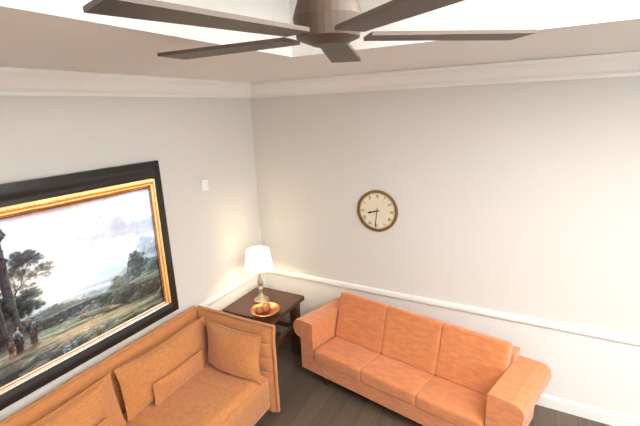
8:31
